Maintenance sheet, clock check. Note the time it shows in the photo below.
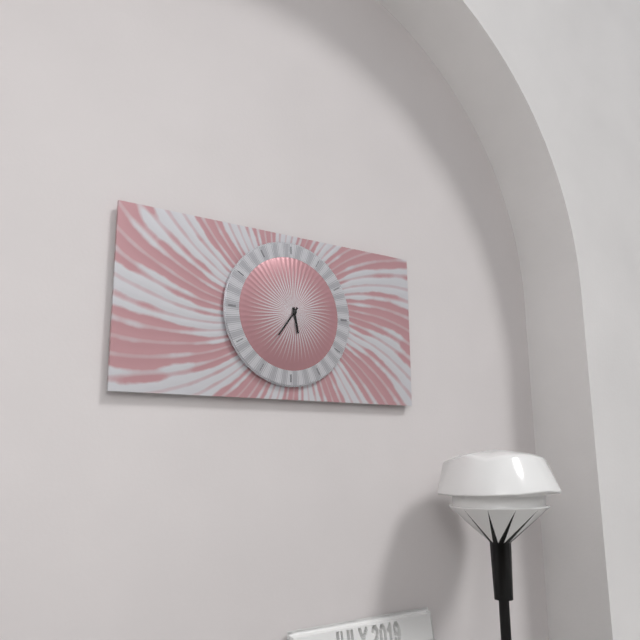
5:36
